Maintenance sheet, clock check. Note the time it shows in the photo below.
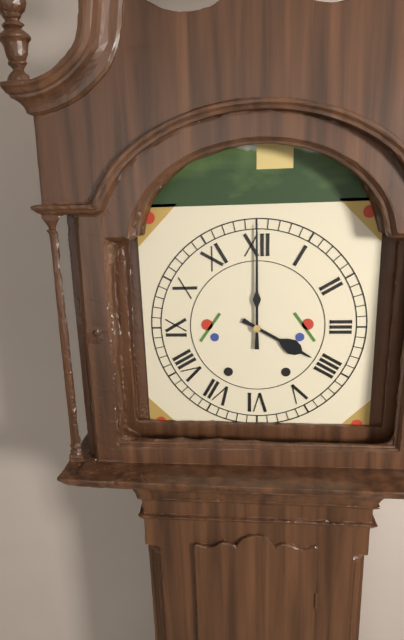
4:00
